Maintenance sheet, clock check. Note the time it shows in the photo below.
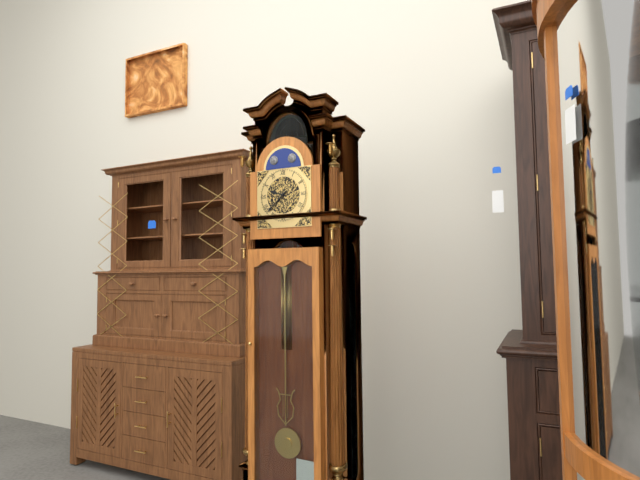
9:38
